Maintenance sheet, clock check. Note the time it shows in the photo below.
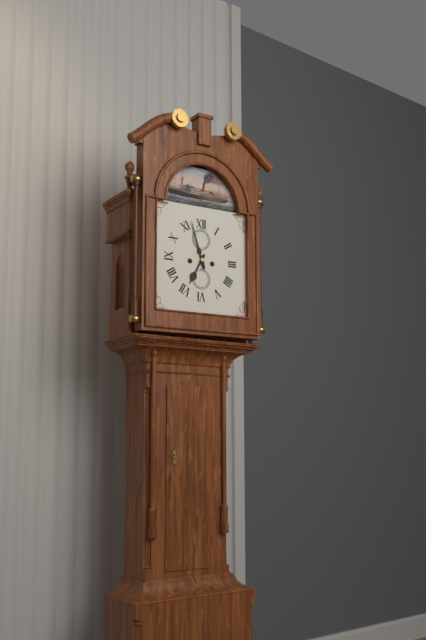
6:57
